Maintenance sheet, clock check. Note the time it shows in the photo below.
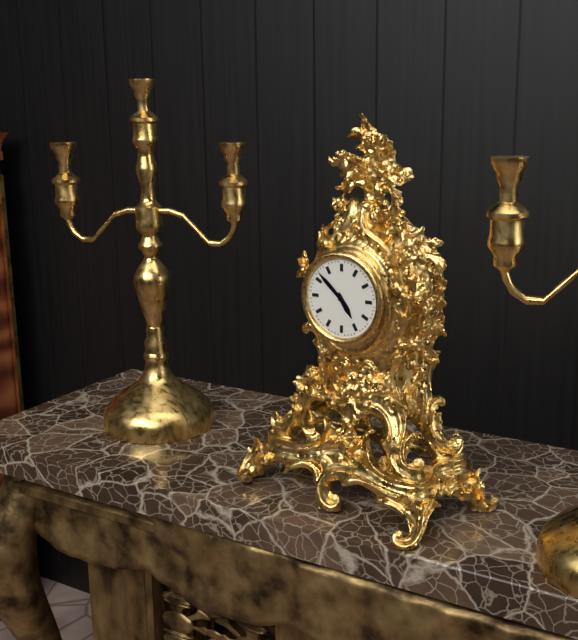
4:52
